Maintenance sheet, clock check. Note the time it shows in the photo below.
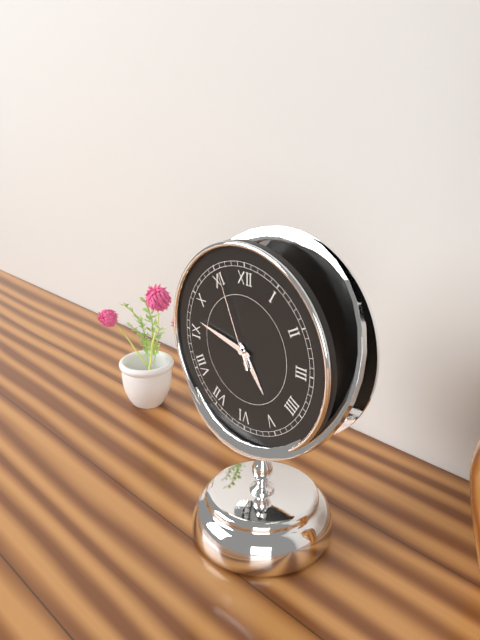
4:47:56
